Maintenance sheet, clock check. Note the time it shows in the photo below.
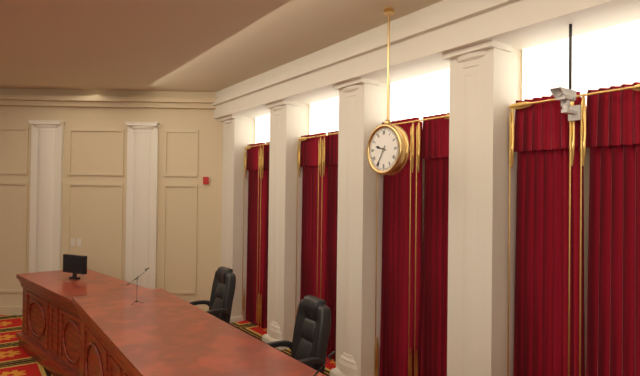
9:35
